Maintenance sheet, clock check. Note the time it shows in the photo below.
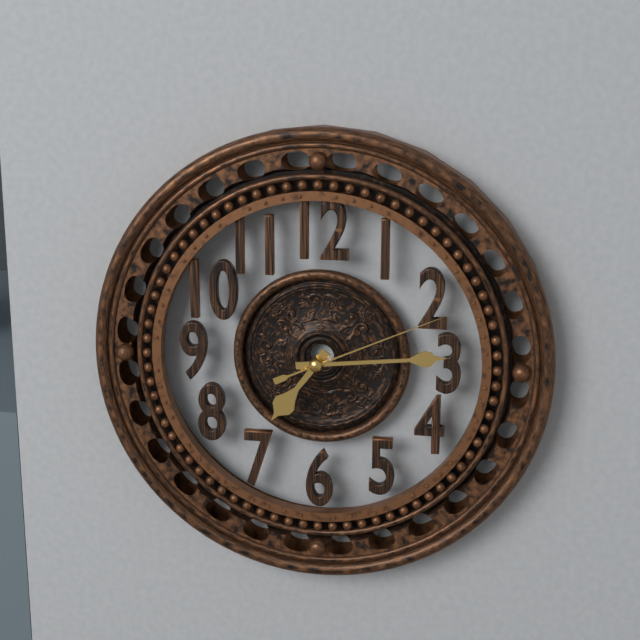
7:14:11
